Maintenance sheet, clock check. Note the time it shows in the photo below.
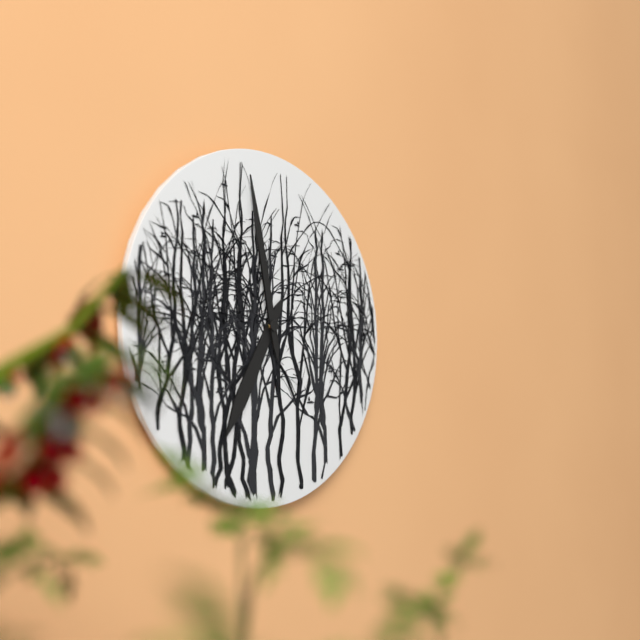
6:58
